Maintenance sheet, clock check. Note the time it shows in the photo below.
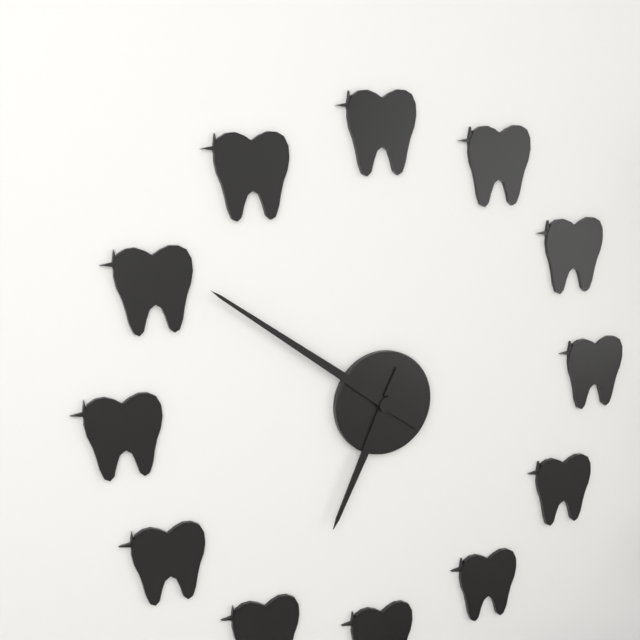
6:51
